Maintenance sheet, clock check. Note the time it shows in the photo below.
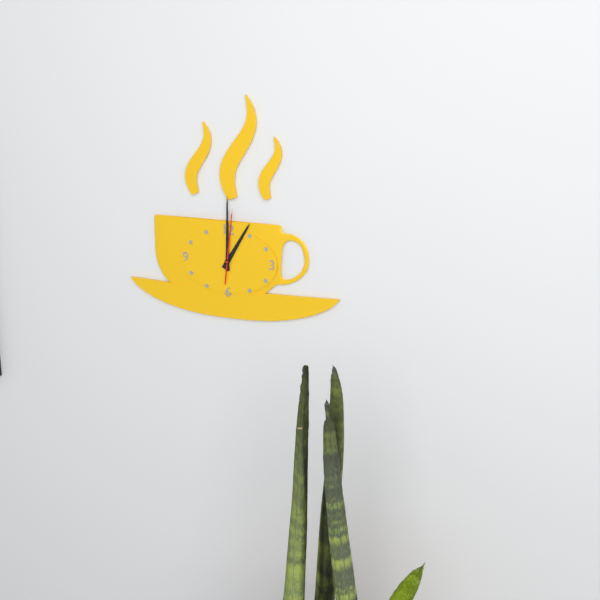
1:00:01
